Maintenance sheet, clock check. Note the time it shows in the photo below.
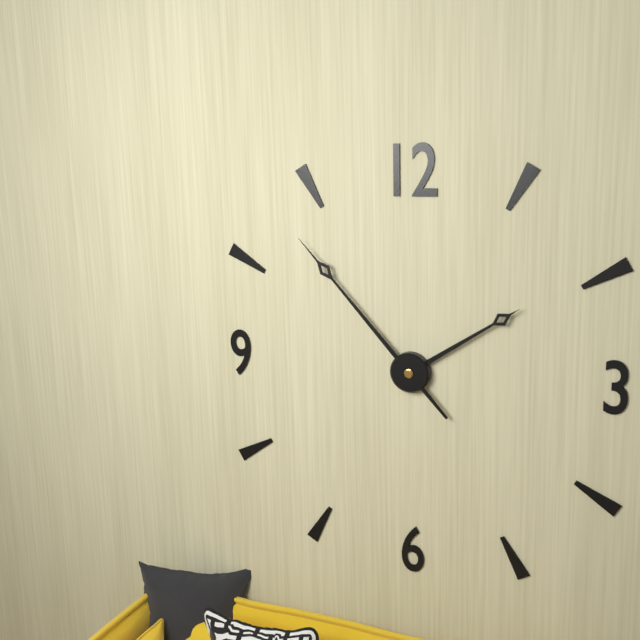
1:53
